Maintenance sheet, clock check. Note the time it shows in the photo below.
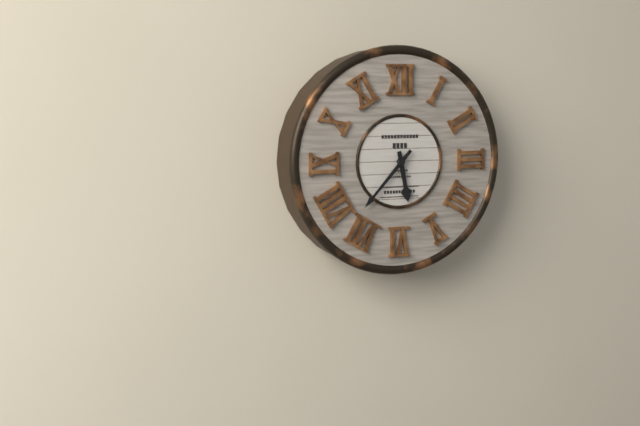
5:37
